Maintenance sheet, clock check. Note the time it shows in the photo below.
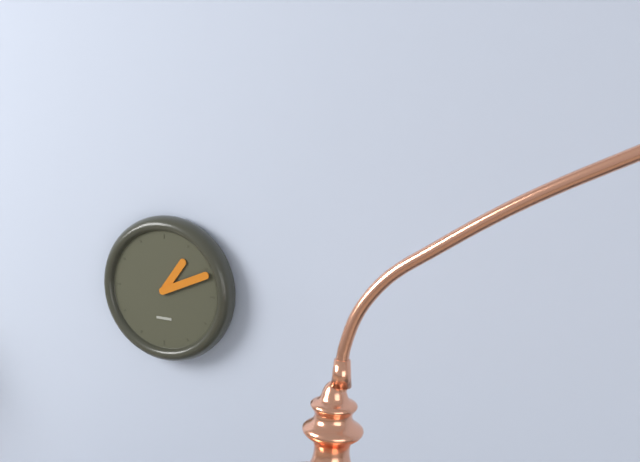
1:11
